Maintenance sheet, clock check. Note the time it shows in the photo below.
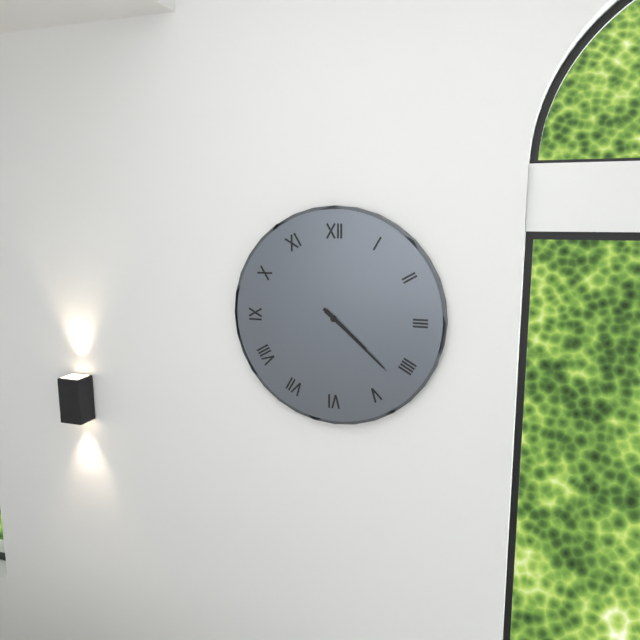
4:22
